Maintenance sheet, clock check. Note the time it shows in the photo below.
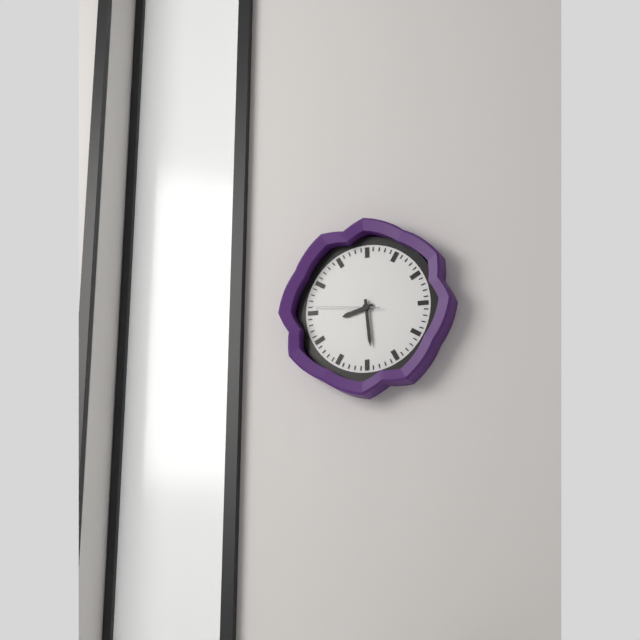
8:29:46
